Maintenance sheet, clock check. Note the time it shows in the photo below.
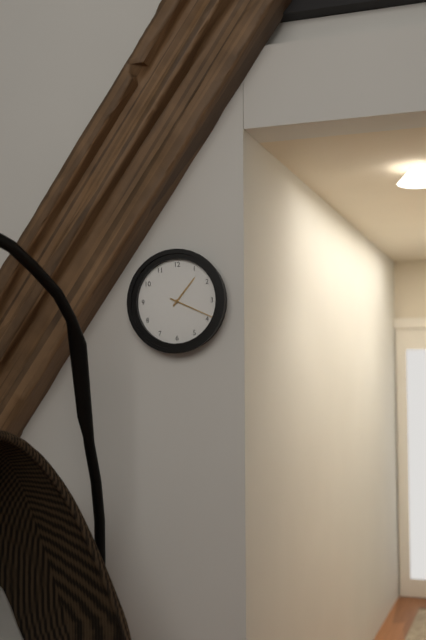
1:19
